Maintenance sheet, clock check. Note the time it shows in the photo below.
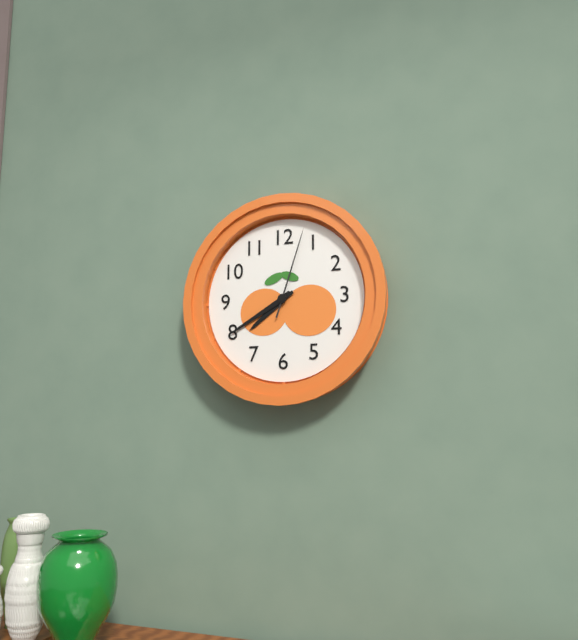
7:40:03
